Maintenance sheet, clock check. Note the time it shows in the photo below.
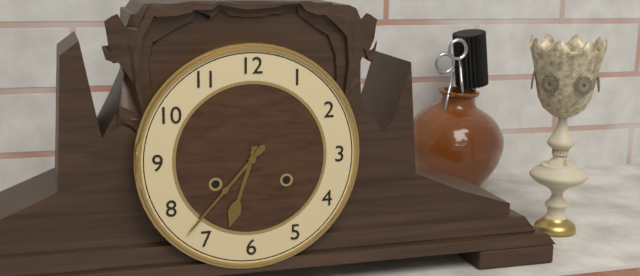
6:37
